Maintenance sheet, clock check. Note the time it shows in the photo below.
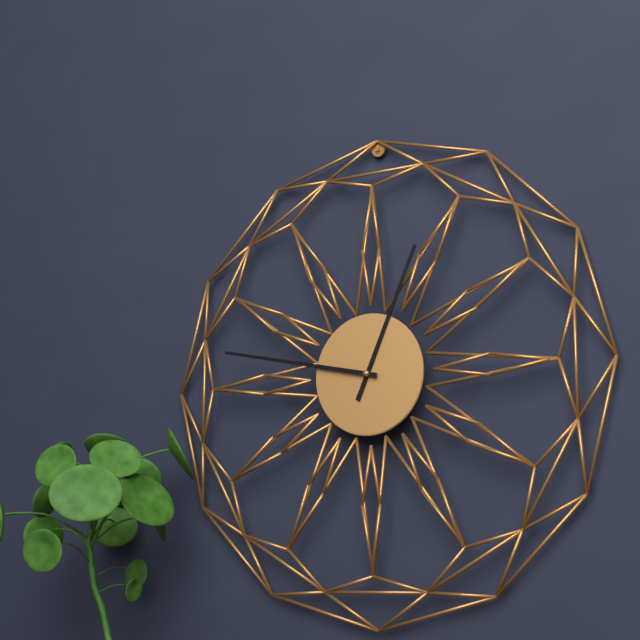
12:47
